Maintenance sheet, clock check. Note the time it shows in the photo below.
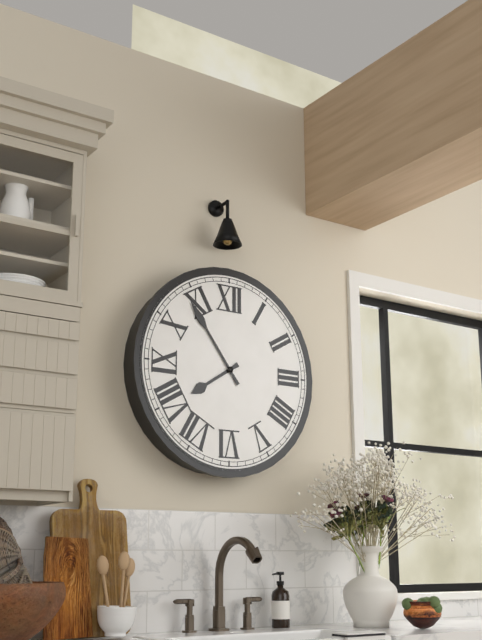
7:54
